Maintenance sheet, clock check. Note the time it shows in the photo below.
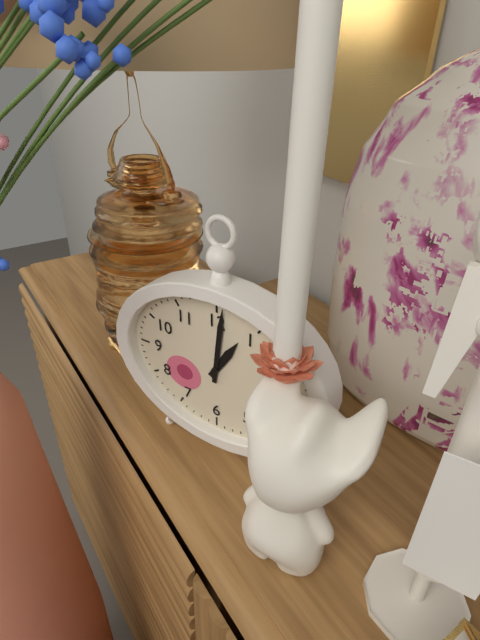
1:01
